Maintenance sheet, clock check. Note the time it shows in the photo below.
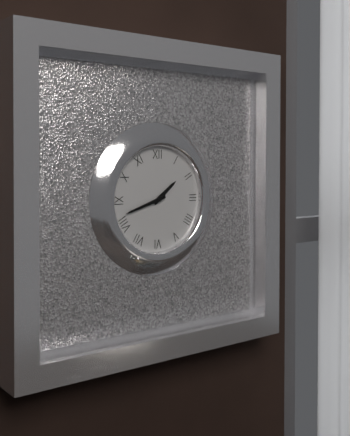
1:42
